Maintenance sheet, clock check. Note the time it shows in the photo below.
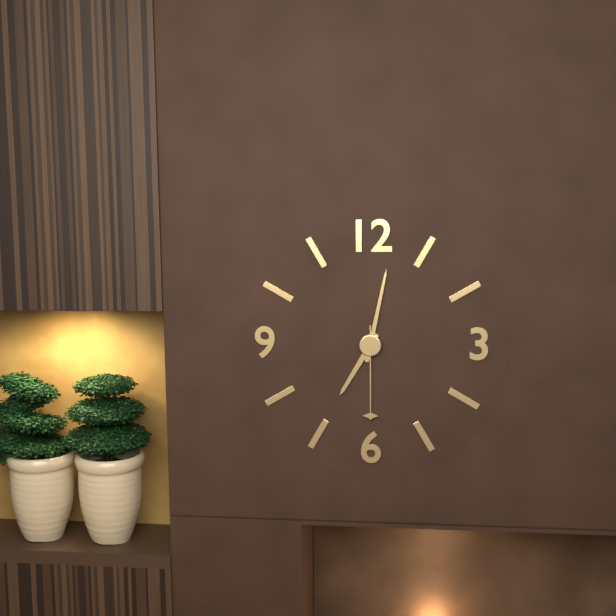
7:02:30
